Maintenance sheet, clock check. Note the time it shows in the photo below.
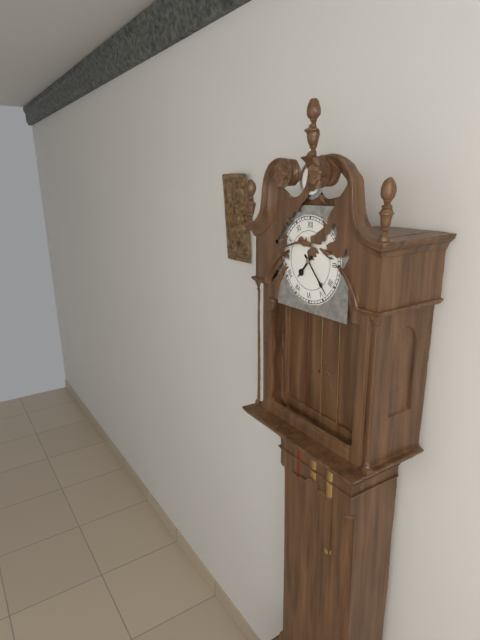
7:23
